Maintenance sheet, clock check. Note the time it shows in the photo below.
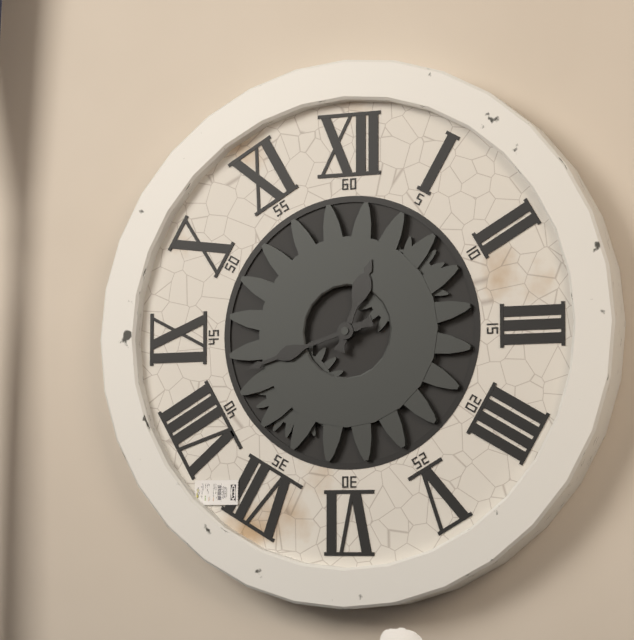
12:42
